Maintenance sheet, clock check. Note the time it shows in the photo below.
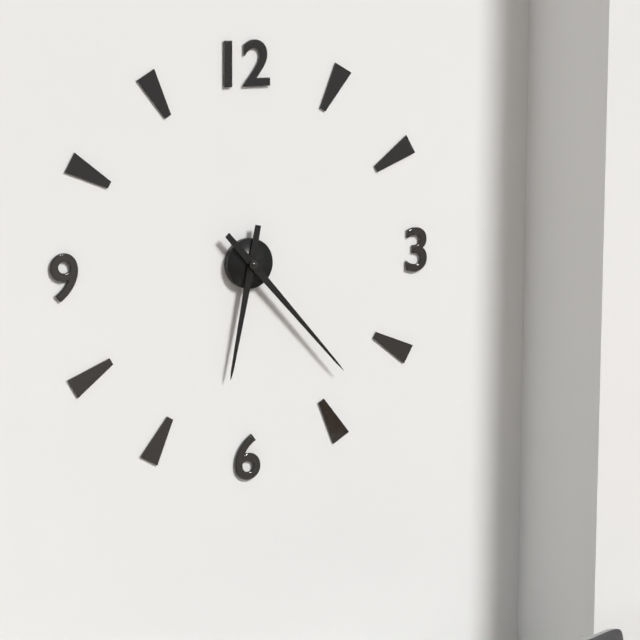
6:23
